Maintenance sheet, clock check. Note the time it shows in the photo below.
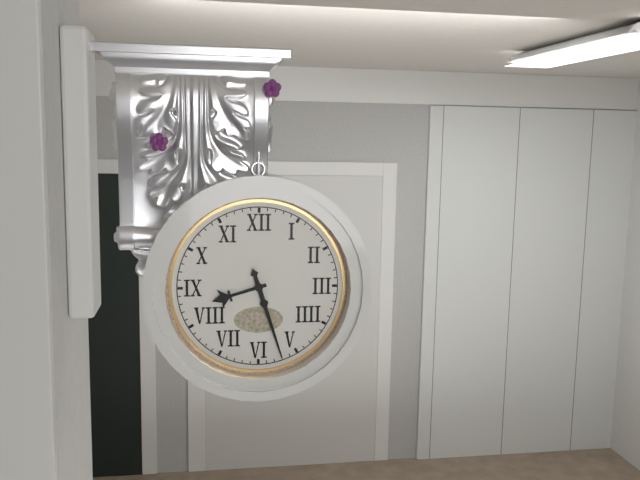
8:27
